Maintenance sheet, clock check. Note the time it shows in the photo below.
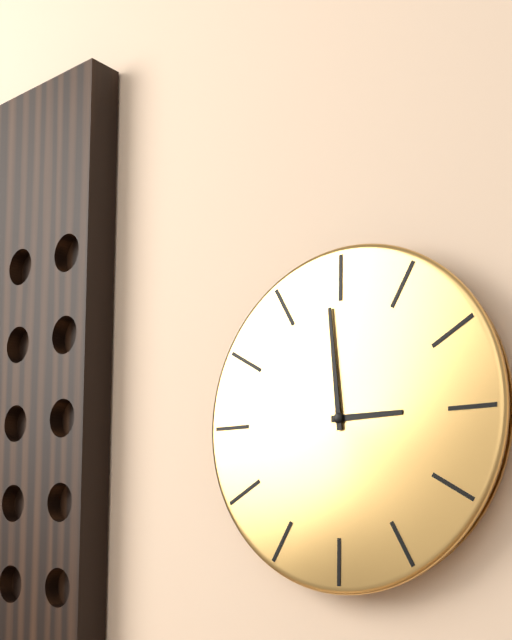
2:59
